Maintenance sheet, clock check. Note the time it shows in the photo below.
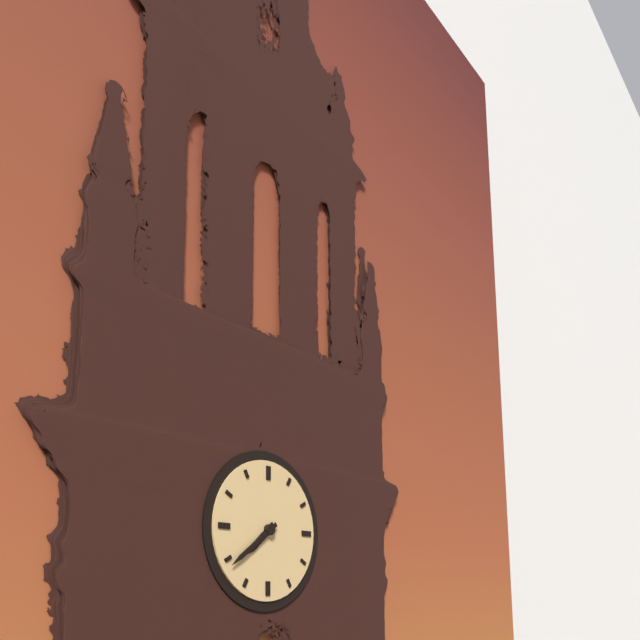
7:39
